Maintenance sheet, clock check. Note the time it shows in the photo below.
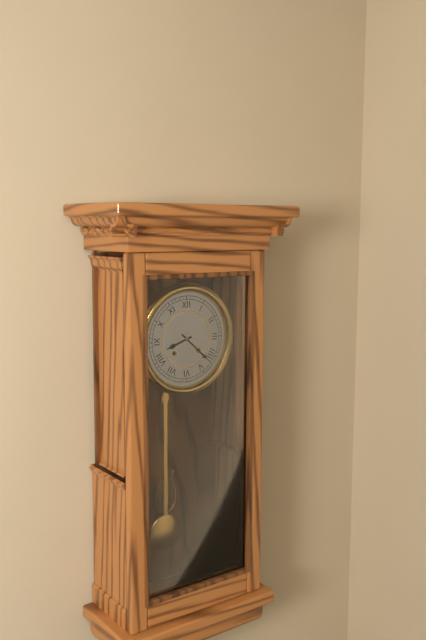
8:22
